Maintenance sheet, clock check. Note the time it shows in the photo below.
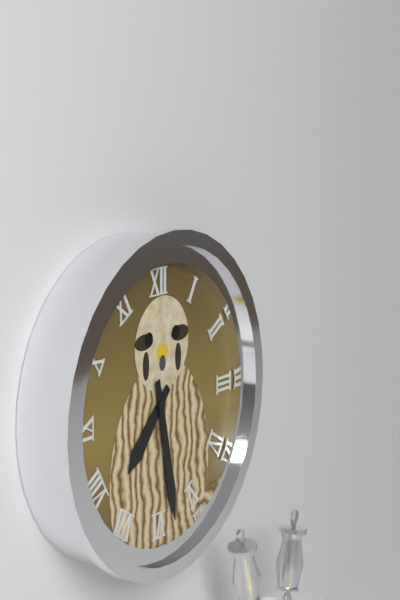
7:28
